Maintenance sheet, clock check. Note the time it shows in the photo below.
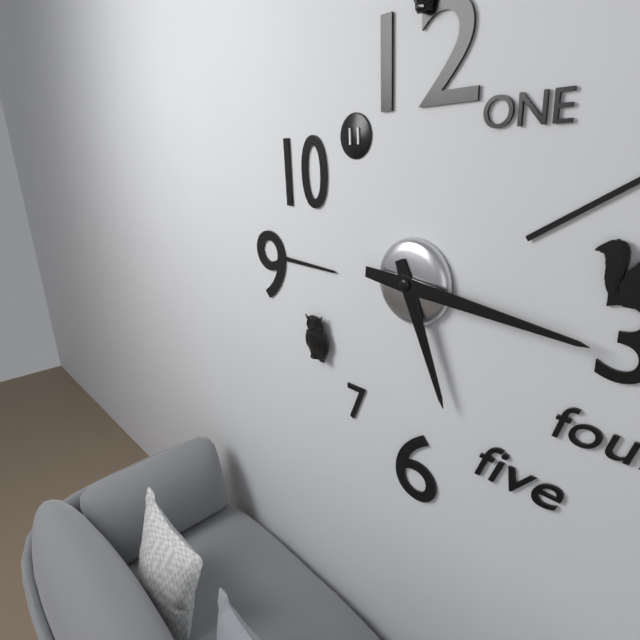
5:16
